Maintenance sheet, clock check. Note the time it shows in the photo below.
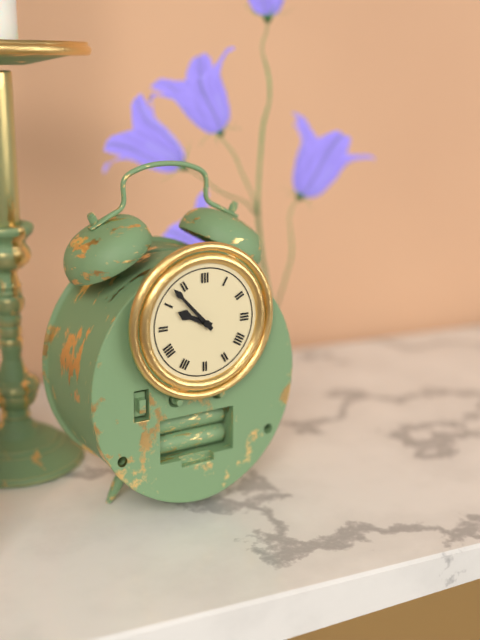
9:53
